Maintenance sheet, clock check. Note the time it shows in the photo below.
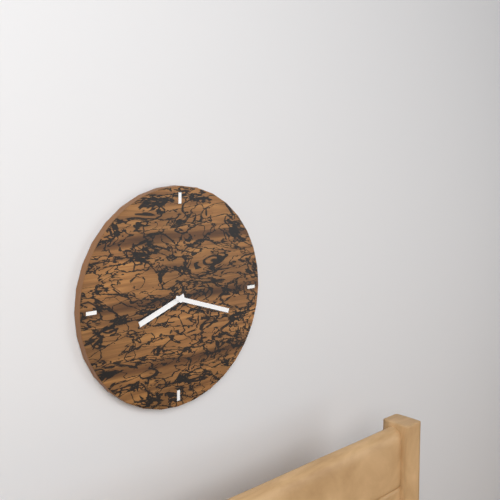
8:18
